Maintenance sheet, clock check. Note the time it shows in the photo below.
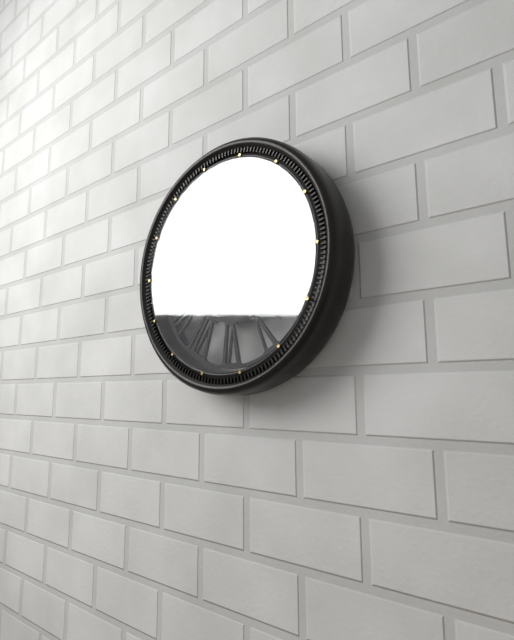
8:22
